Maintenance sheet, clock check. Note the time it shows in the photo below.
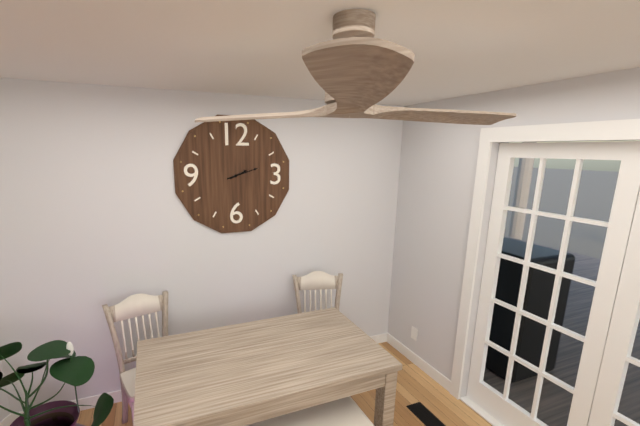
2:12
